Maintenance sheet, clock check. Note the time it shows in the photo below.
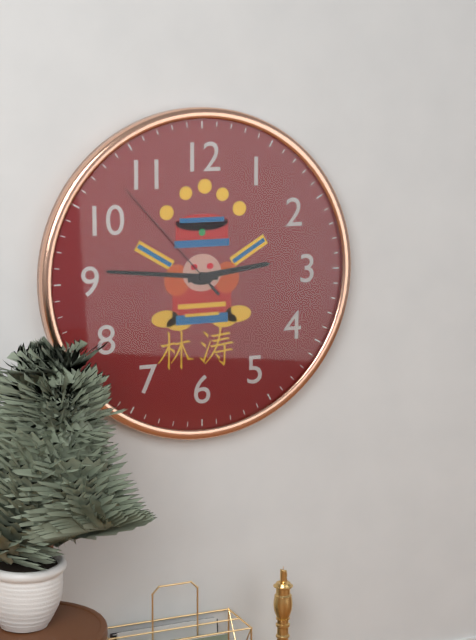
2:46:53
